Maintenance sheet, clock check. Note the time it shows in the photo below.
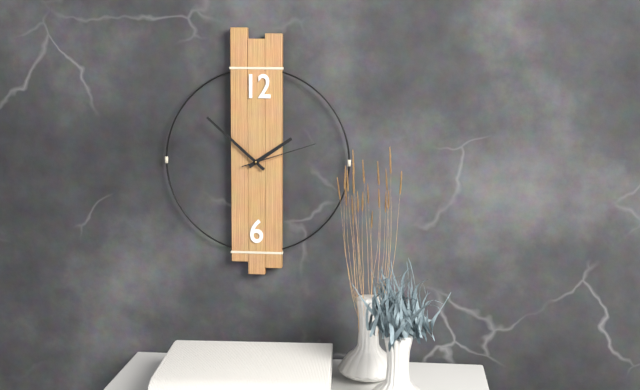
1:52:12
